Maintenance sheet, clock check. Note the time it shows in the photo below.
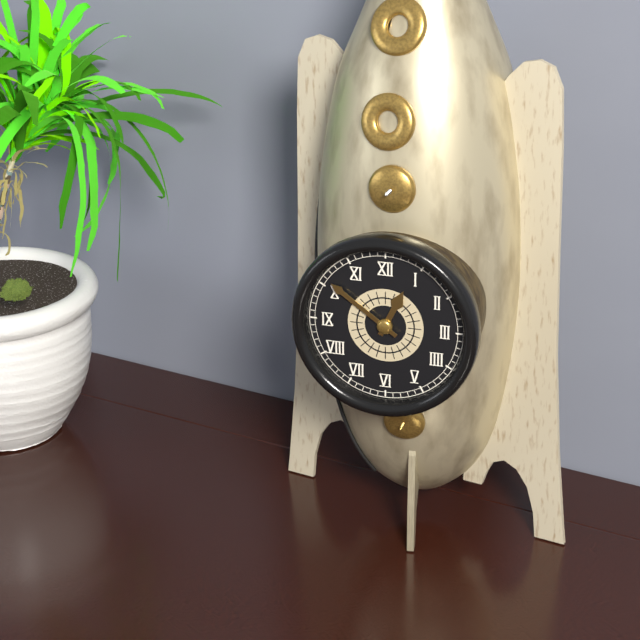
12:51
